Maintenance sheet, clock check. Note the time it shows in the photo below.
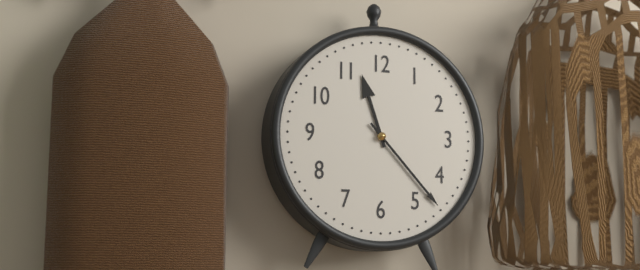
11:23
